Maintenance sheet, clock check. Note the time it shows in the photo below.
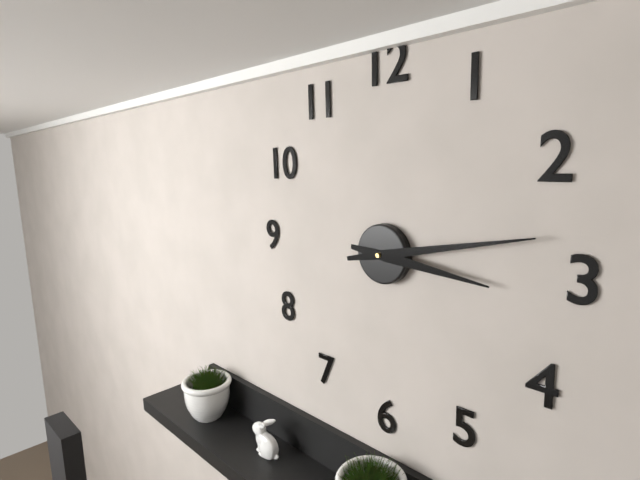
3:13
